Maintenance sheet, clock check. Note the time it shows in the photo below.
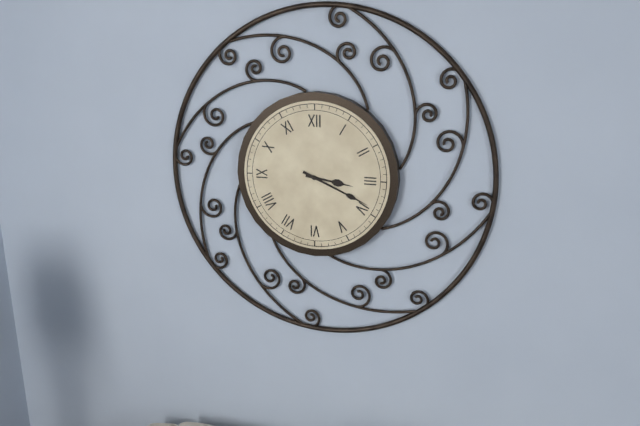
3:19
